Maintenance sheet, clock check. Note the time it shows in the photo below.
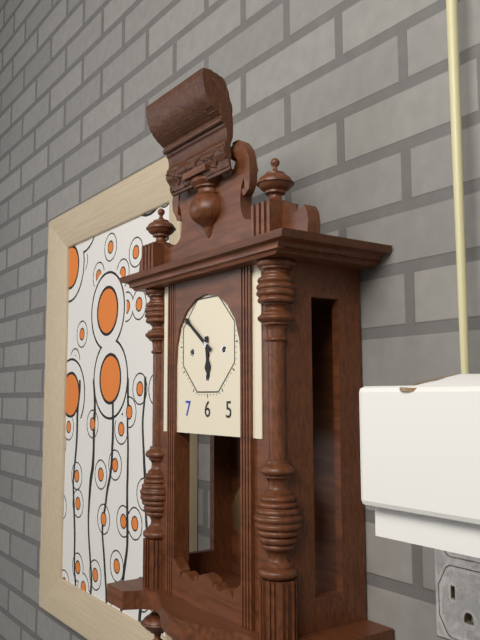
5:51
